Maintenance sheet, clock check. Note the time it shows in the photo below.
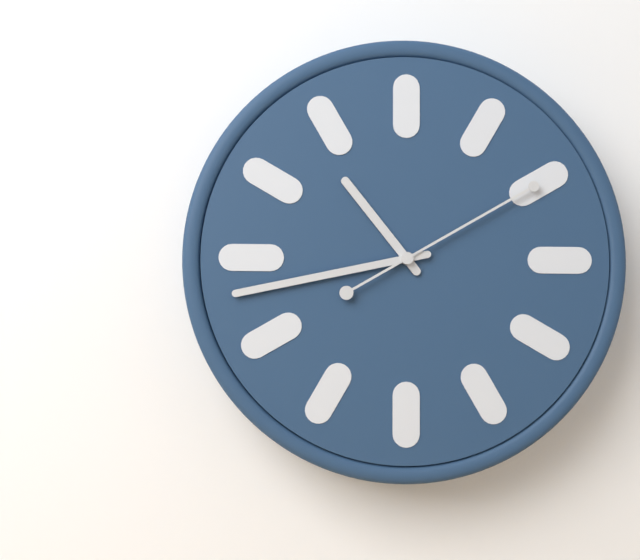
10:43:10
